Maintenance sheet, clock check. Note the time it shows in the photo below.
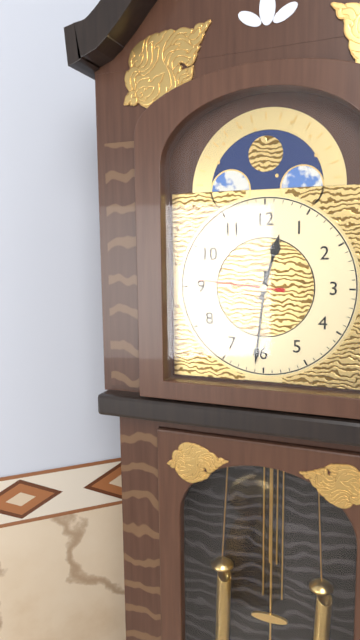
12:31:46
